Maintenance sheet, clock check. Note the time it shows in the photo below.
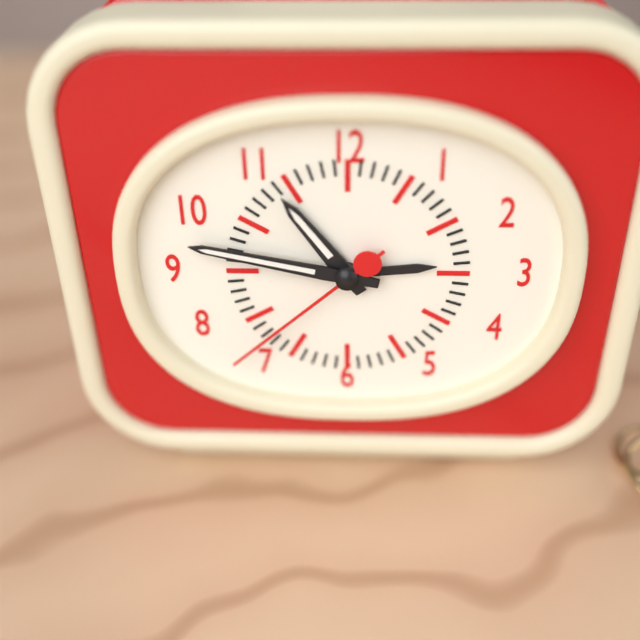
10:47:38
